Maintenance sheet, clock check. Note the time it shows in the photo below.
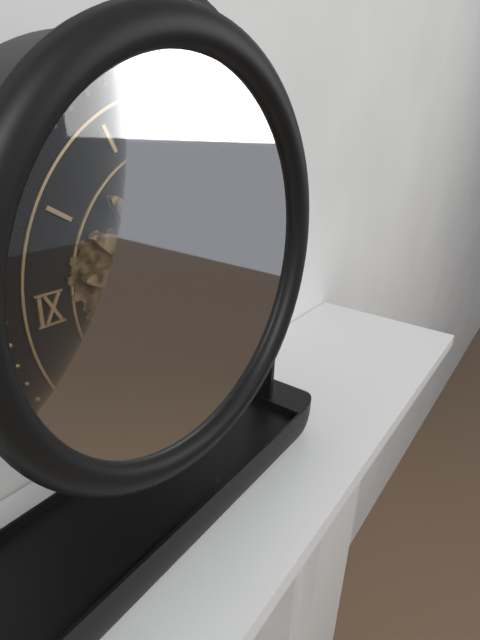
2:27
